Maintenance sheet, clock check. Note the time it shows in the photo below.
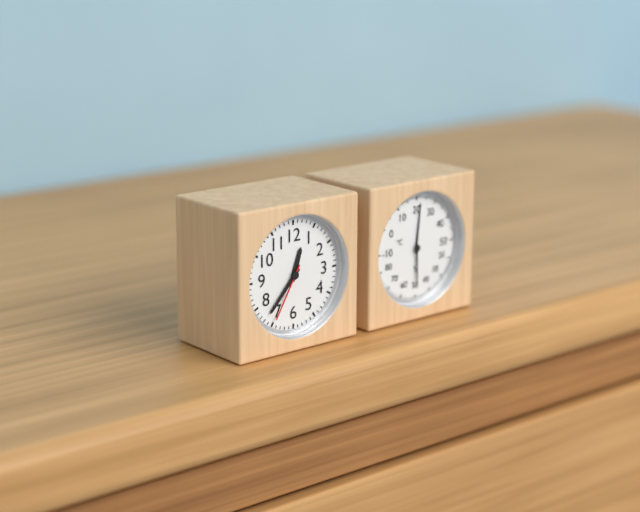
12:37:35
